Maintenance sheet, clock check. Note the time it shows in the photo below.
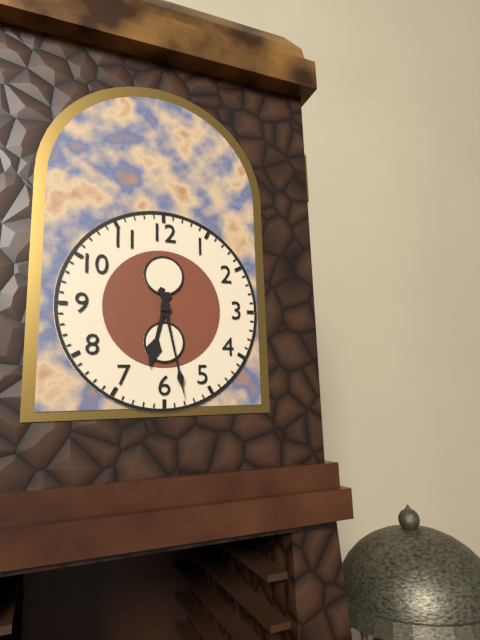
6:28
